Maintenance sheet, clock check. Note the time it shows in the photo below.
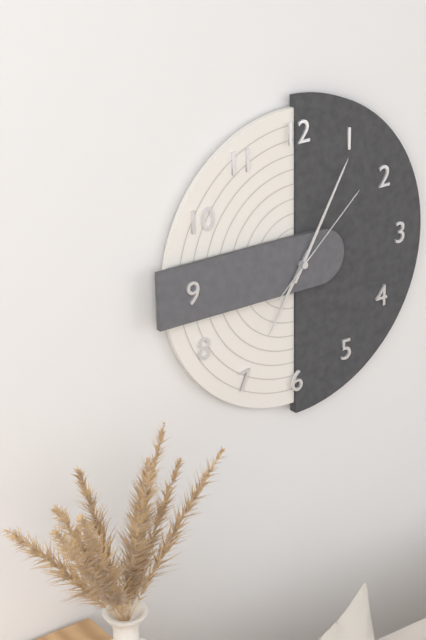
7:05:08
